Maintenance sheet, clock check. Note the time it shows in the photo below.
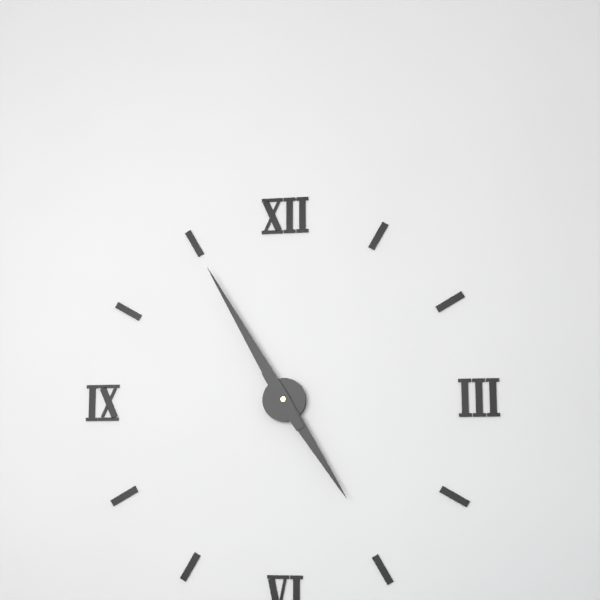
4:55
